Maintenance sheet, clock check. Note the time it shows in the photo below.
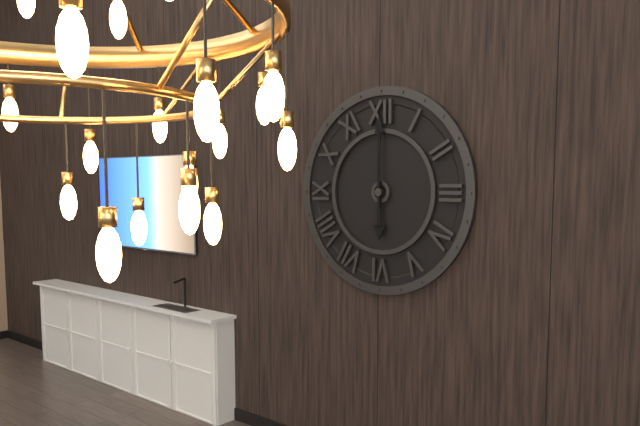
6:00
